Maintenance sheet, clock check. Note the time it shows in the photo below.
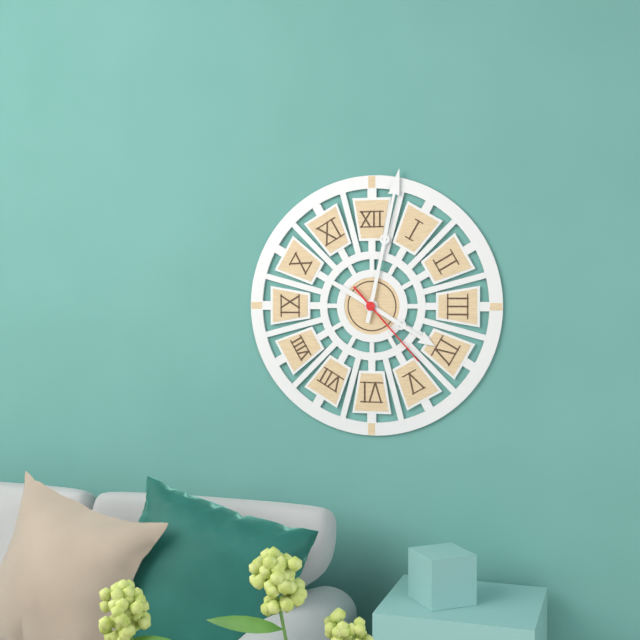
4:02:23
